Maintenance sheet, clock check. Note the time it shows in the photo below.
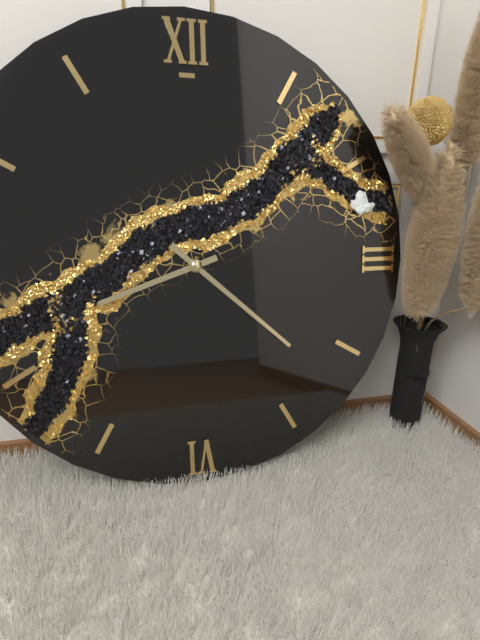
8:22
